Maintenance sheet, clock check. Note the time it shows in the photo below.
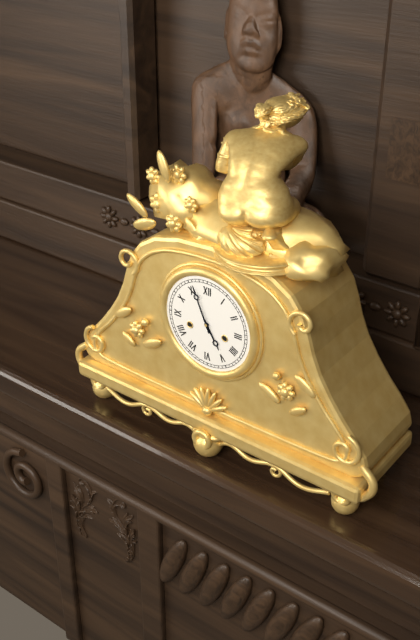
4:56
